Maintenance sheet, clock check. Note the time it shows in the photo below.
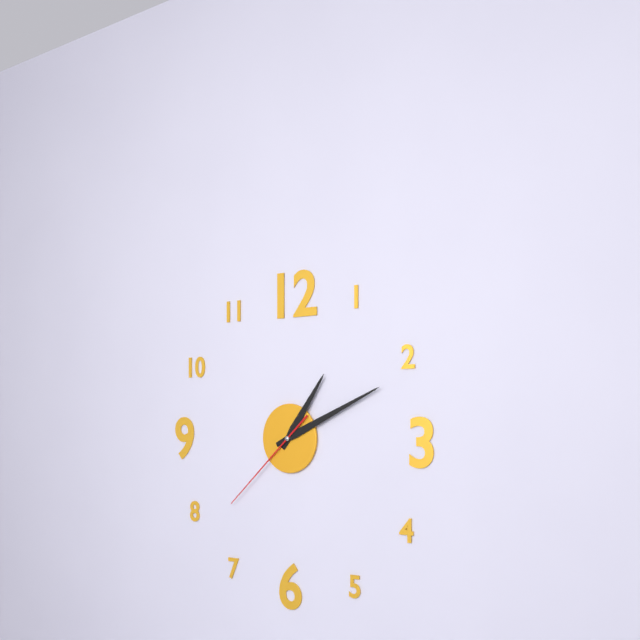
1:11:38
